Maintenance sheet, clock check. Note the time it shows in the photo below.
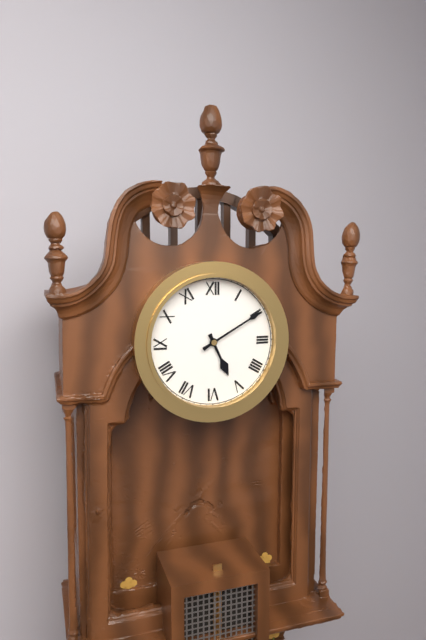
5:10
